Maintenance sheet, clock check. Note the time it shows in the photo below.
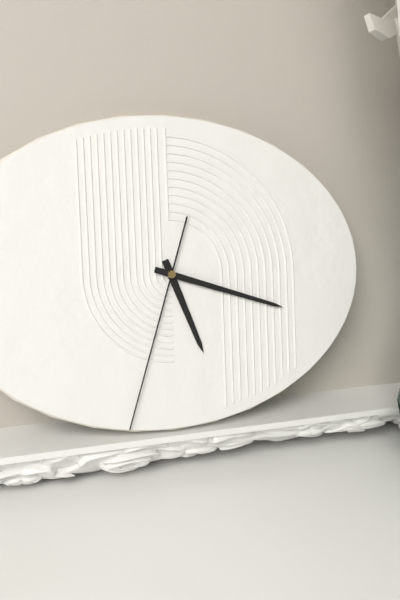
5:18:33
